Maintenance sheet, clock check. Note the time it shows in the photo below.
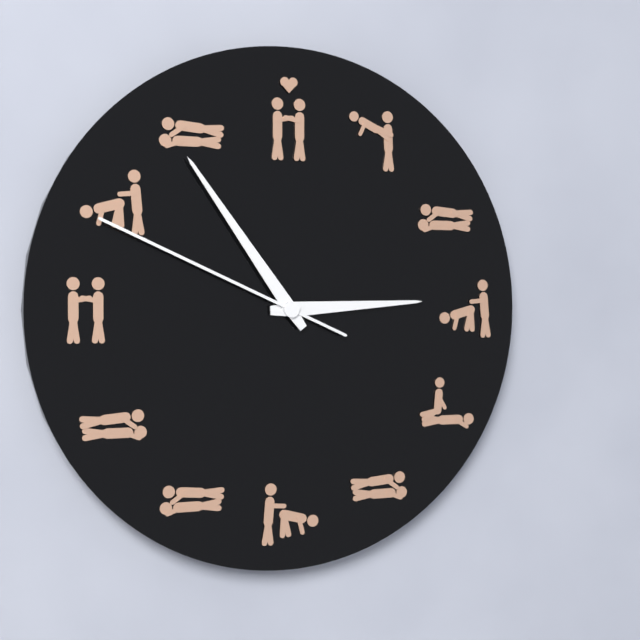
2:54:49
